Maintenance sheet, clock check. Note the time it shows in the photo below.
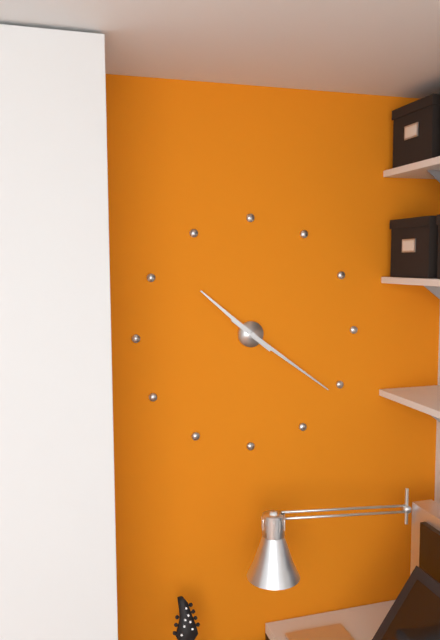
10:21
